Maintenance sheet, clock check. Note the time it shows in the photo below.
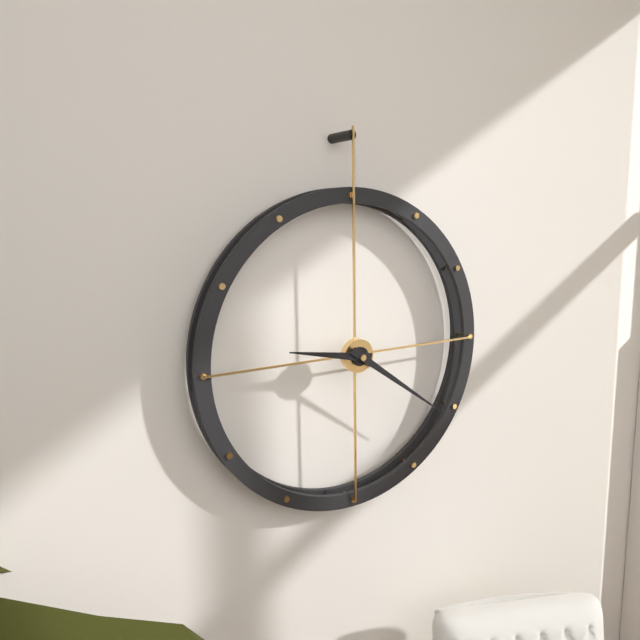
9:21
